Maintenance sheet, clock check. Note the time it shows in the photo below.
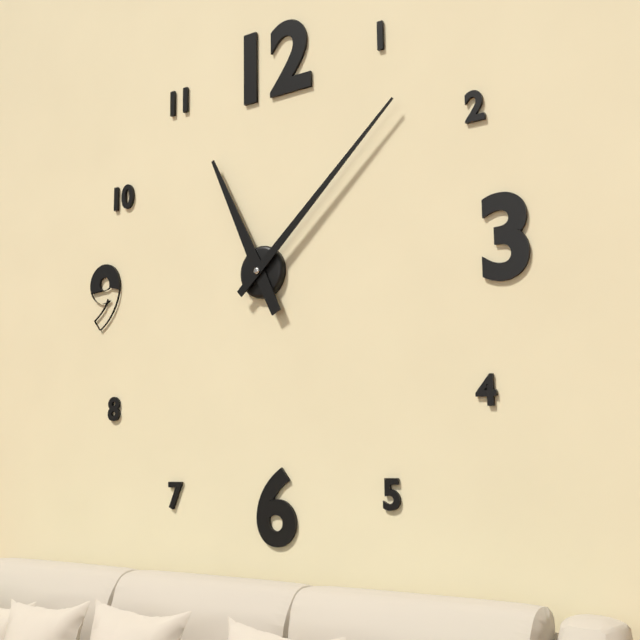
11:08
